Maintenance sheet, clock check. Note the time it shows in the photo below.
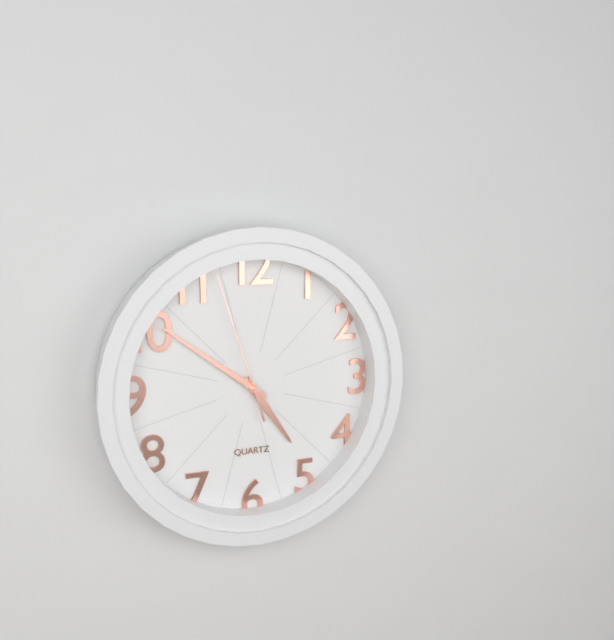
4:51:57
